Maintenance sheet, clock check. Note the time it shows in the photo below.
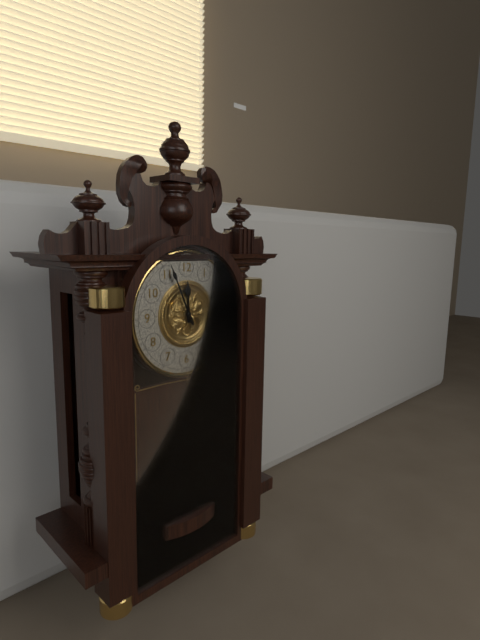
11:56
